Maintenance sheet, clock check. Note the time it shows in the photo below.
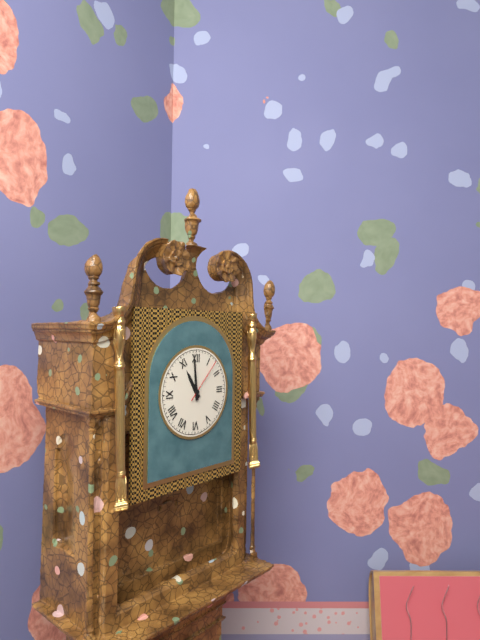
10:59
